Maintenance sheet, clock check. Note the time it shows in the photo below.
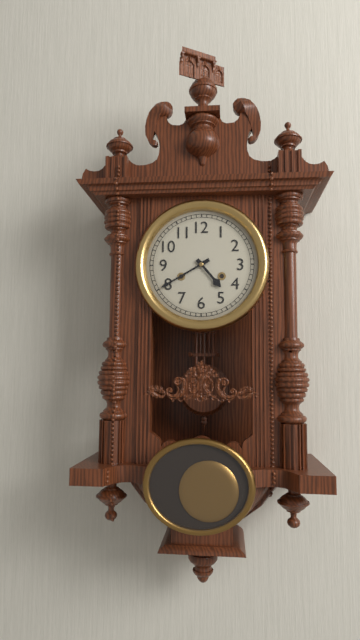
4:40
